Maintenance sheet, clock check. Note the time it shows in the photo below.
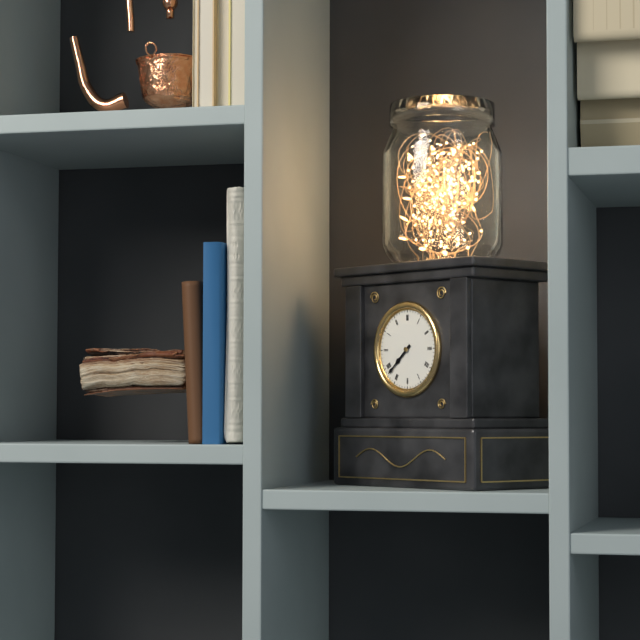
7:38
